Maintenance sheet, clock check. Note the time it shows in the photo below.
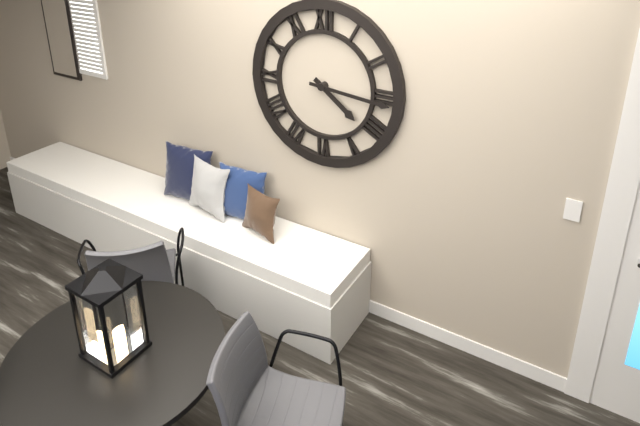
4:16
